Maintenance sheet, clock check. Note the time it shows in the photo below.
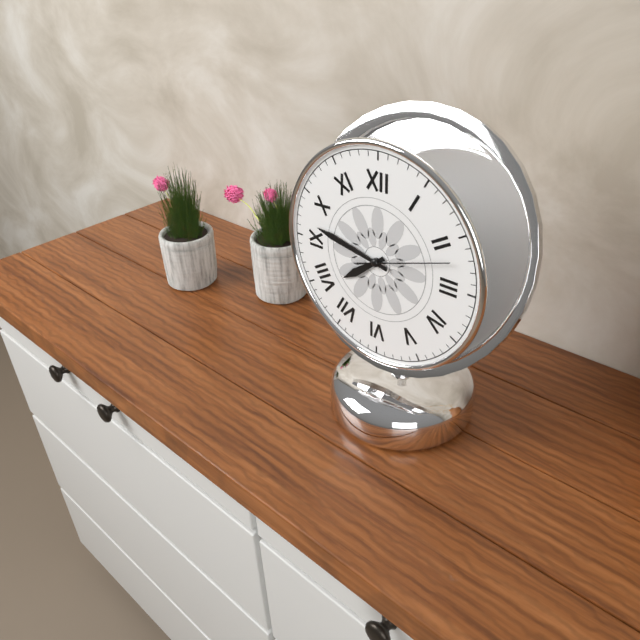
7:47:12
